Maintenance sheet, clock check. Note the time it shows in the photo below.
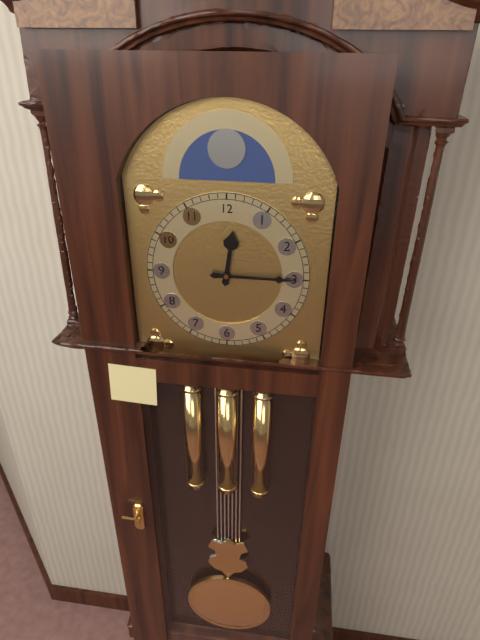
12:15
